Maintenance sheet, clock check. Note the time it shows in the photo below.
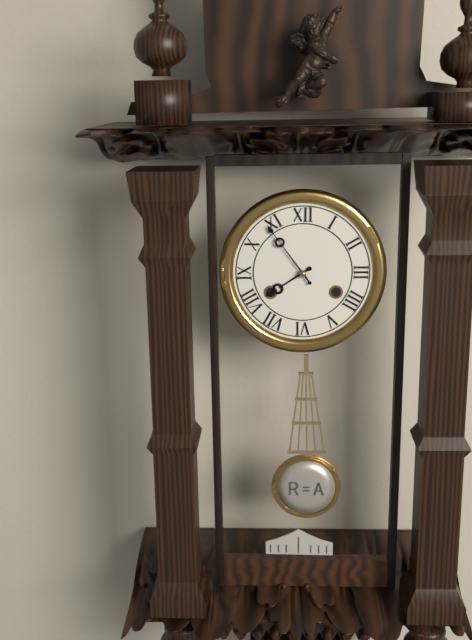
7:54
